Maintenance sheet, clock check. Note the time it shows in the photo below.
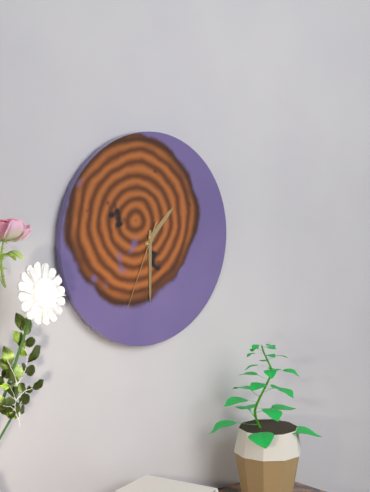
1:30:34
